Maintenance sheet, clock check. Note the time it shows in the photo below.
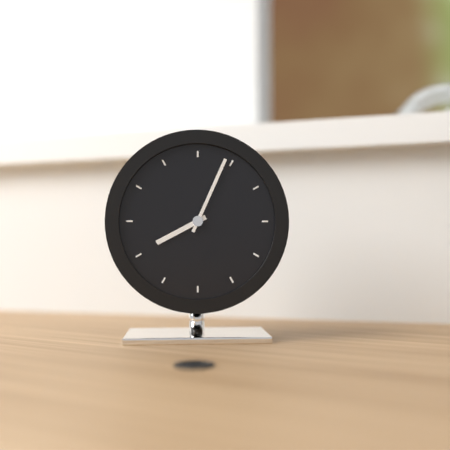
8:04
